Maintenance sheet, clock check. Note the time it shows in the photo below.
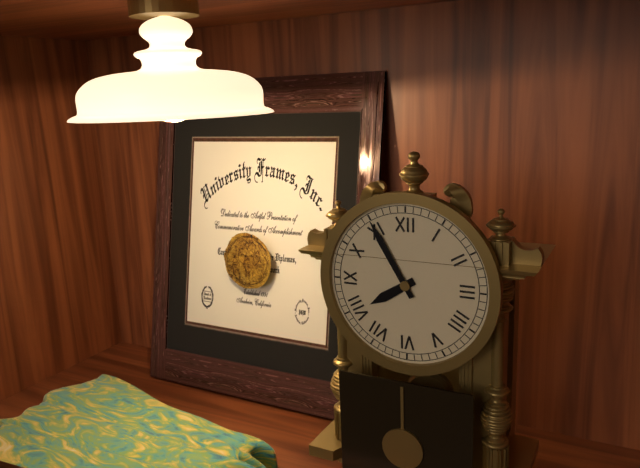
7:55
